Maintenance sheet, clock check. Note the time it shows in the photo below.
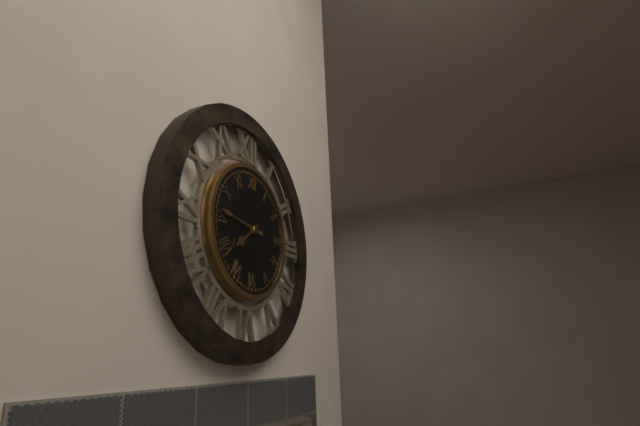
7:46
